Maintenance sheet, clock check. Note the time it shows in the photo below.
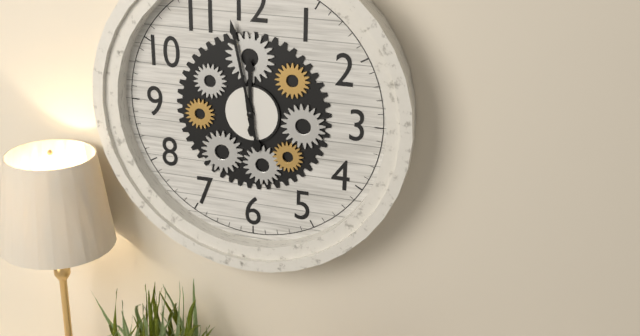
11:58
